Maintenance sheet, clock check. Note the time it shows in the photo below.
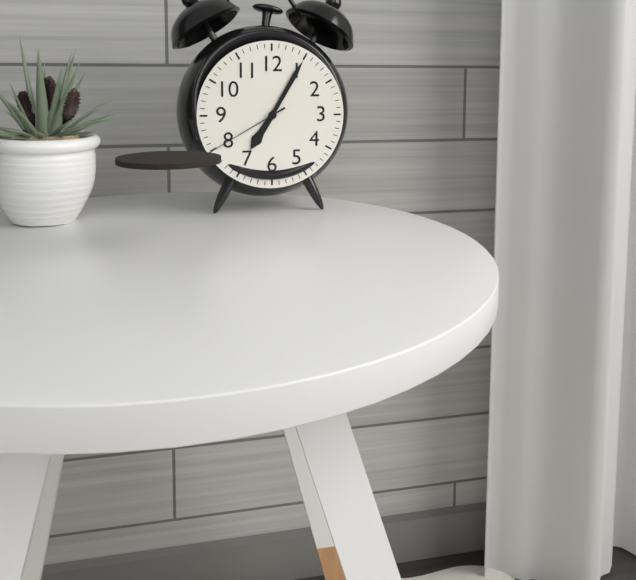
7:05:40
